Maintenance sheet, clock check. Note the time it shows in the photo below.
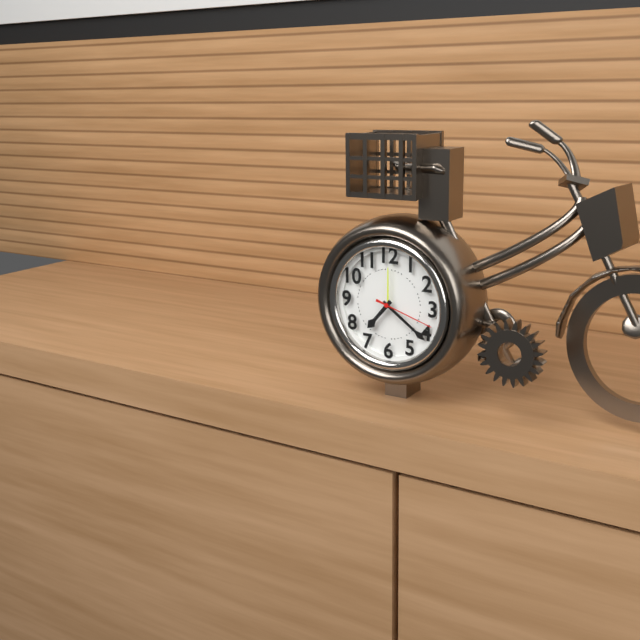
7:21:18
